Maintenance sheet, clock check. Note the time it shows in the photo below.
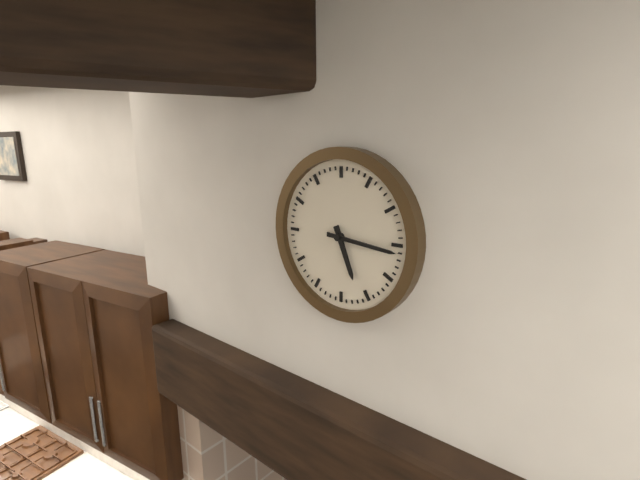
5:16
